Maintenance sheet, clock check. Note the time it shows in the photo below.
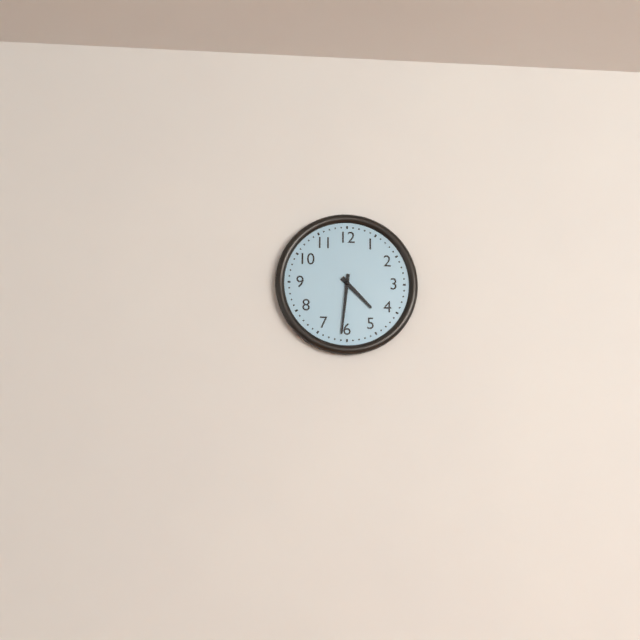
4:31
